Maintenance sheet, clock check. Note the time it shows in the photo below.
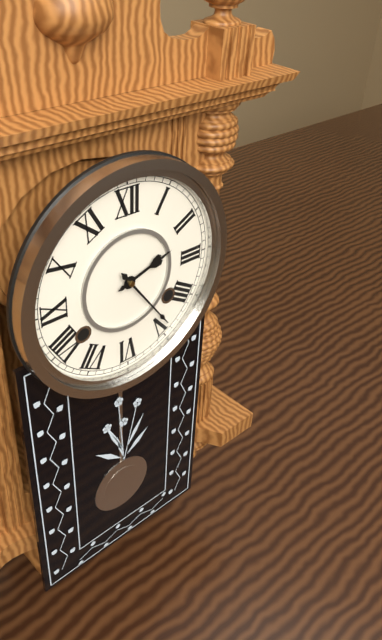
2:24
